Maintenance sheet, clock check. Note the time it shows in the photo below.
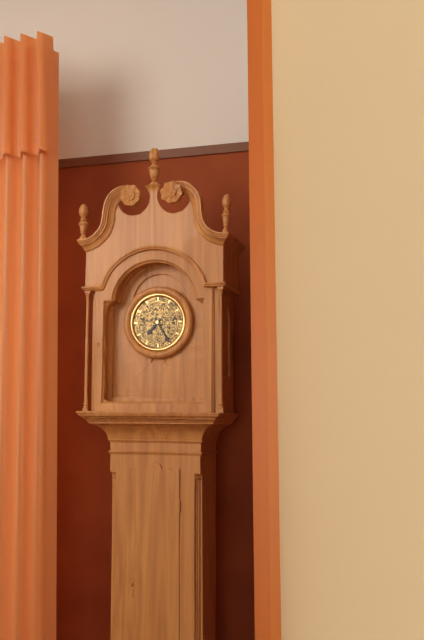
7:25
